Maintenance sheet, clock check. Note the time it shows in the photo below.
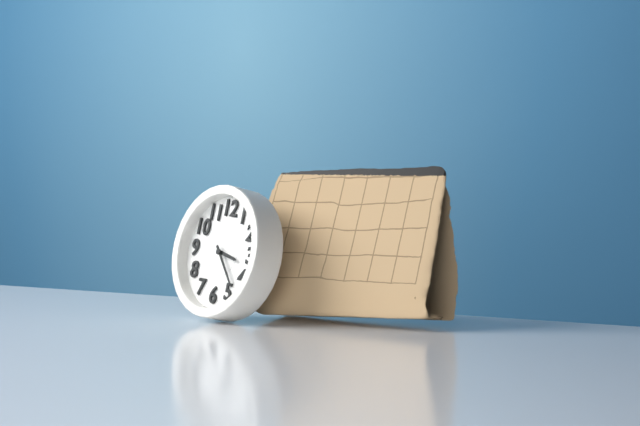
3:23
